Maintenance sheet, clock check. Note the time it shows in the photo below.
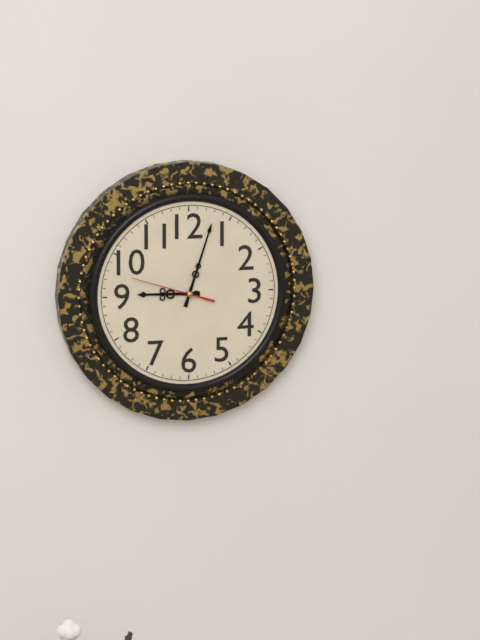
9:03:48
